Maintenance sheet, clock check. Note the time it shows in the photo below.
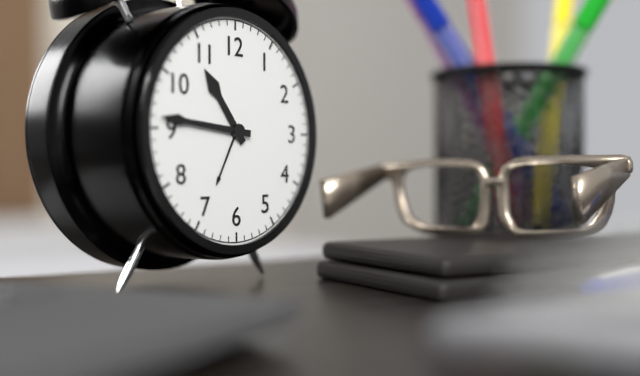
10:46
